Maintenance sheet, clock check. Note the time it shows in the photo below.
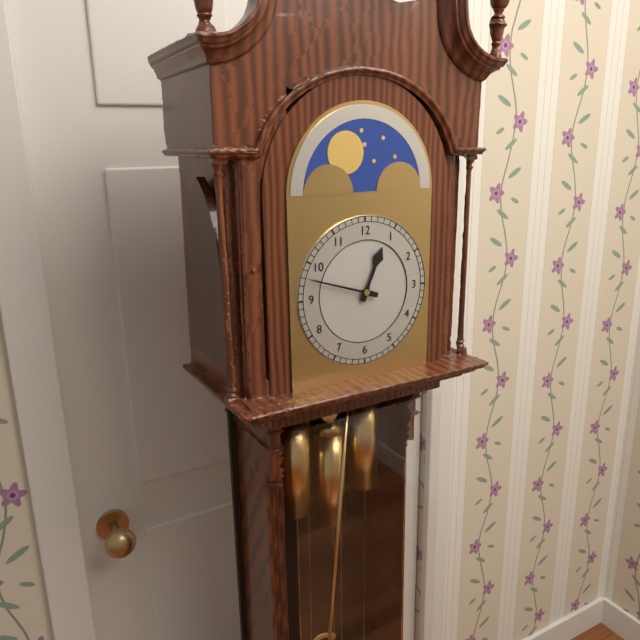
12:48
